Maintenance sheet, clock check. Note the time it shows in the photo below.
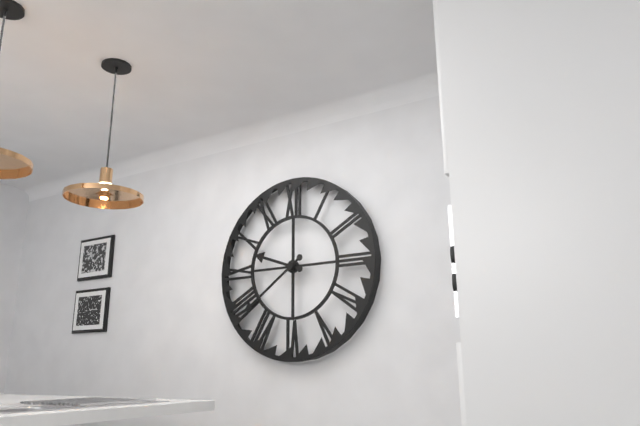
9:39
